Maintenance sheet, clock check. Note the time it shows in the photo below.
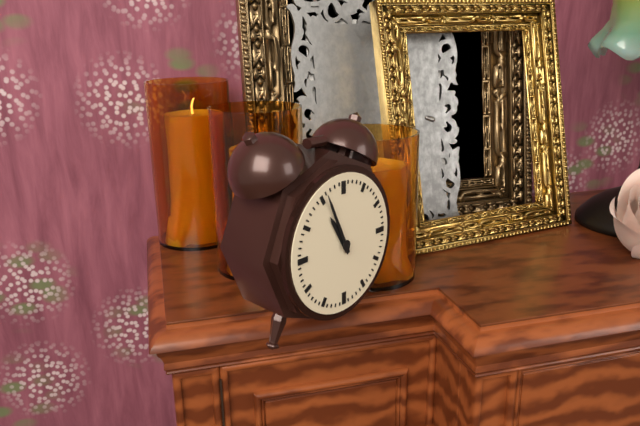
10:56
